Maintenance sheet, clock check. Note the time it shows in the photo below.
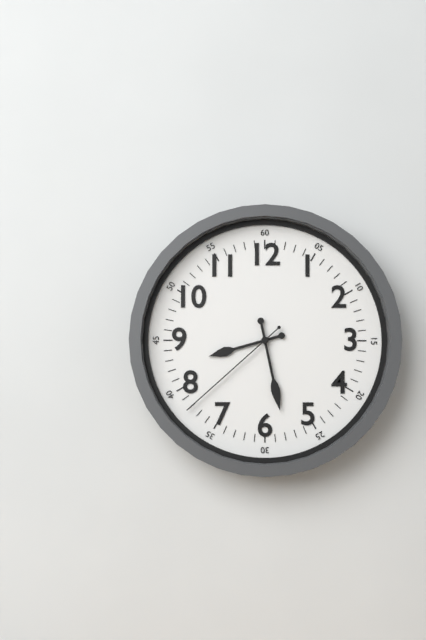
8:28:38
